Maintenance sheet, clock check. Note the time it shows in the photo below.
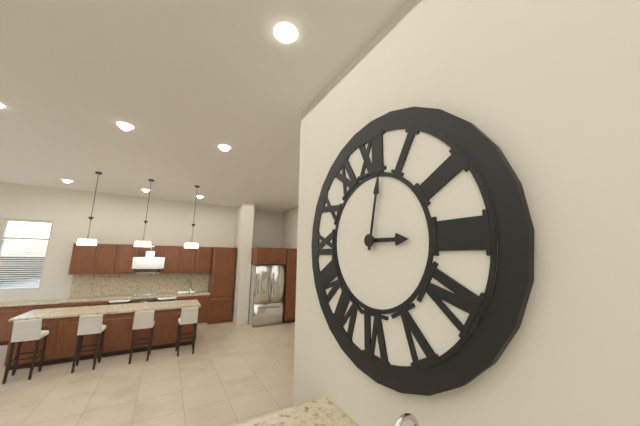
3:02
